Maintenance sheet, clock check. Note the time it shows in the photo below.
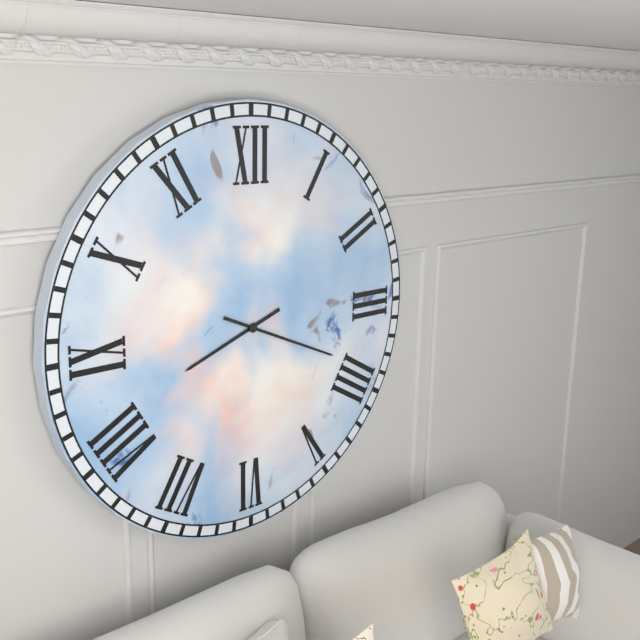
8:19
